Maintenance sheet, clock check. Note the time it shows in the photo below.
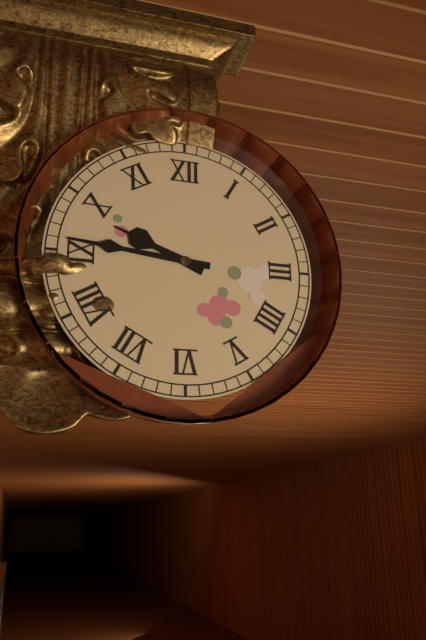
9:46
